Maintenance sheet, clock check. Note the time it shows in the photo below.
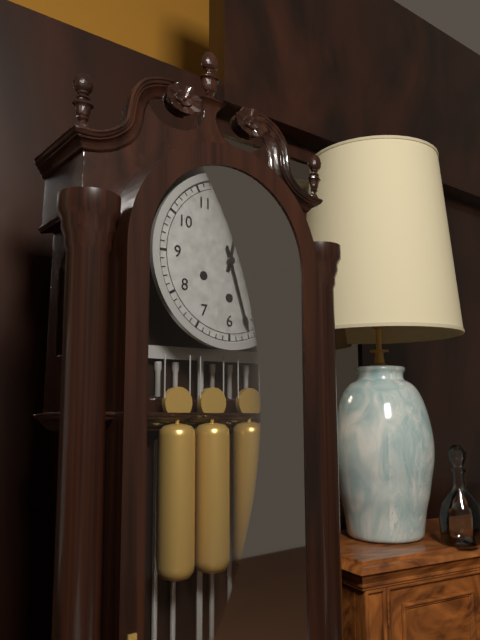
12:27
